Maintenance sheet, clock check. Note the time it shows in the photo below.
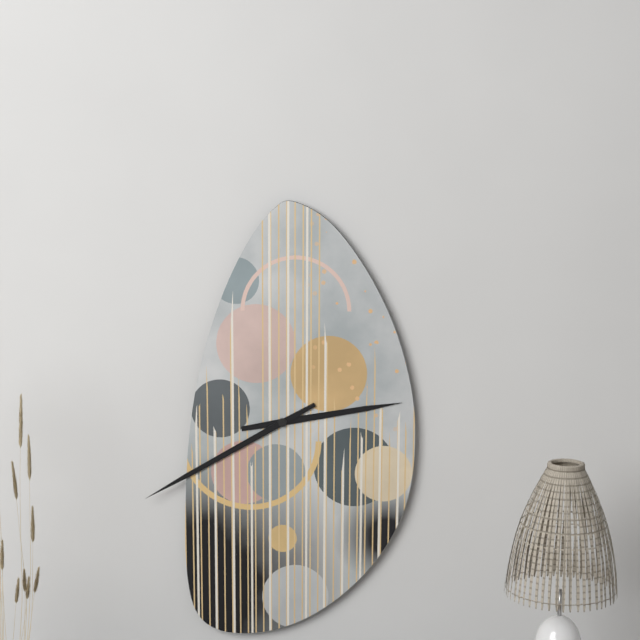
2:40
